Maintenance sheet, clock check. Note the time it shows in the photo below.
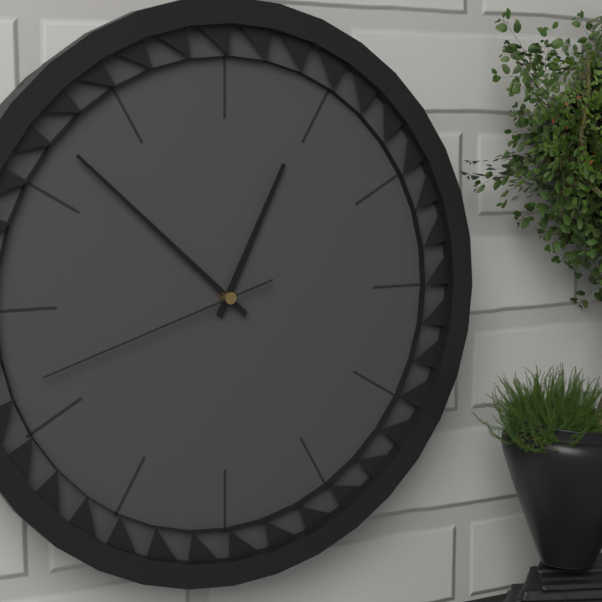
12:52:42
